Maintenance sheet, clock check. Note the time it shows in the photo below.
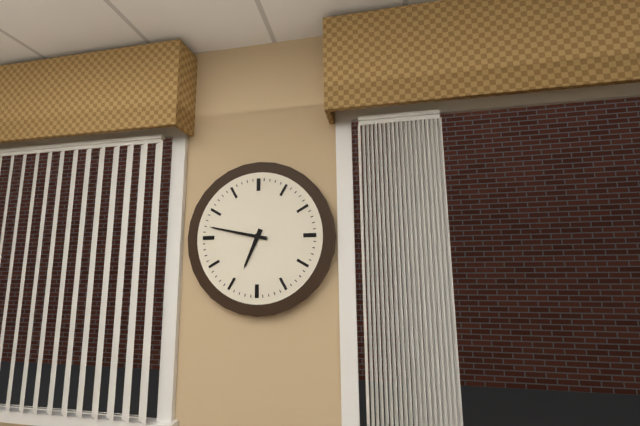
6:47
